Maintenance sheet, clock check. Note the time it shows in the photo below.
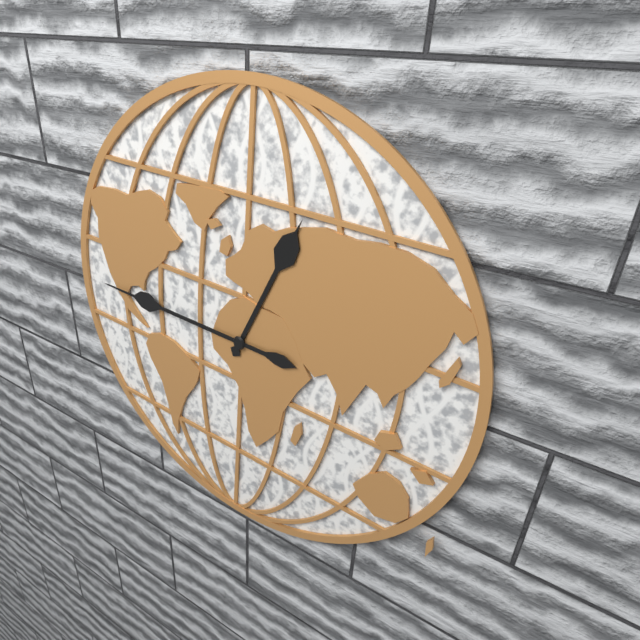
12:45
